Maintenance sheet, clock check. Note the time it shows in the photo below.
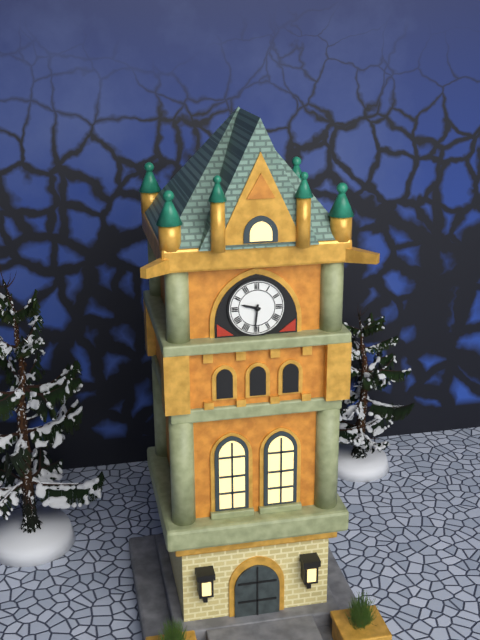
9:31
